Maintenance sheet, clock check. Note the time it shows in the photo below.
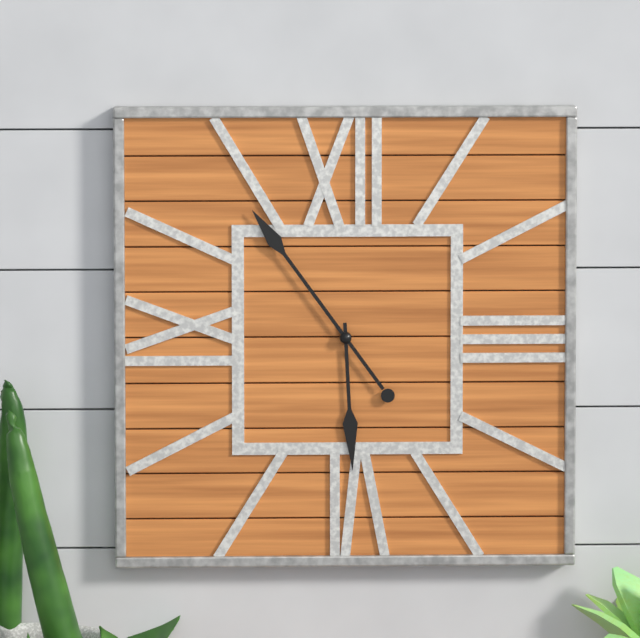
5:54
